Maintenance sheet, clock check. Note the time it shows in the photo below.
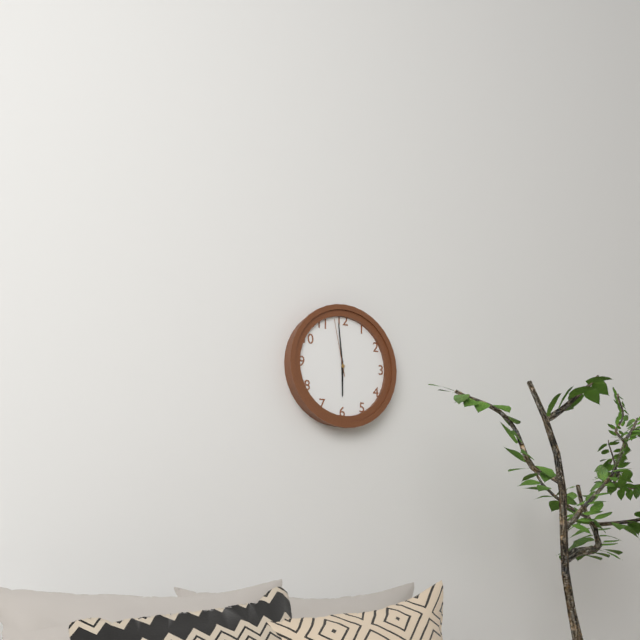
5:59:58
